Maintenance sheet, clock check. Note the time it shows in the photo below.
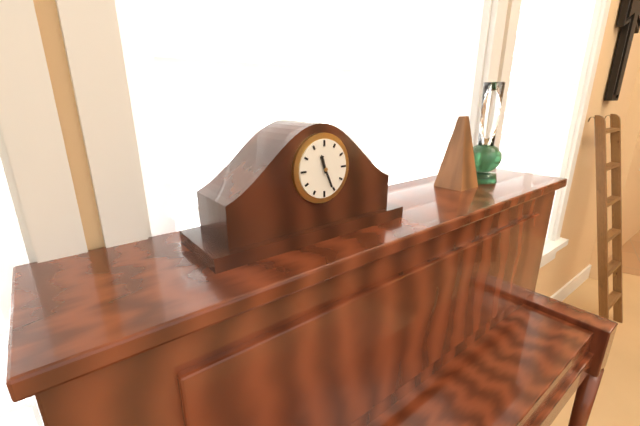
11:26
